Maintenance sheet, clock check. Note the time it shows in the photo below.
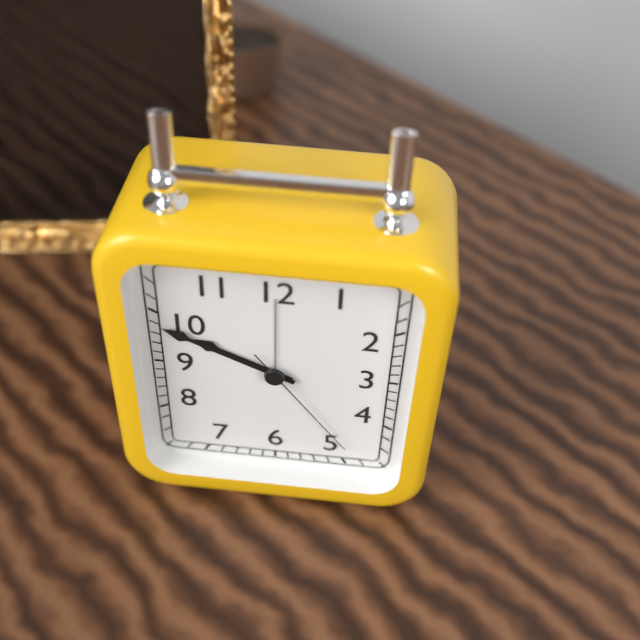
9:49:24
